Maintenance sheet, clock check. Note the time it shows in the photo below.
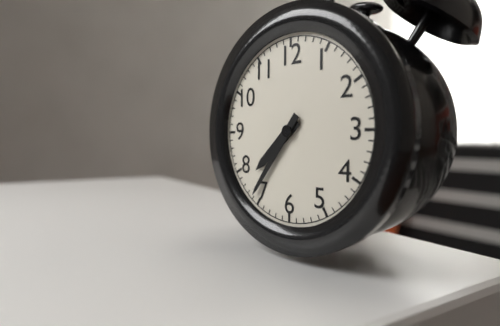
7:36
